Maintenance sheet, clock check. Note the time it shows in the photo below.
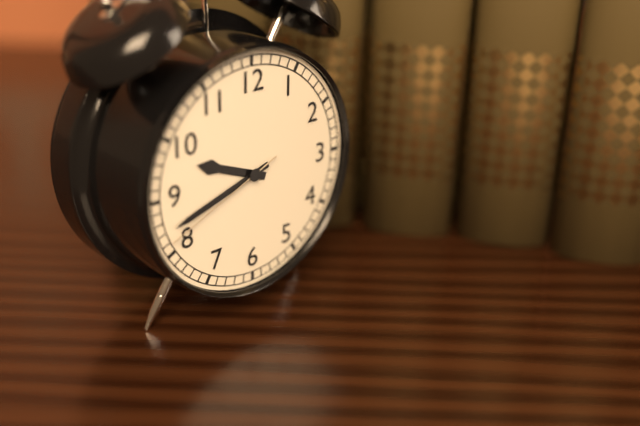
9:42:41
